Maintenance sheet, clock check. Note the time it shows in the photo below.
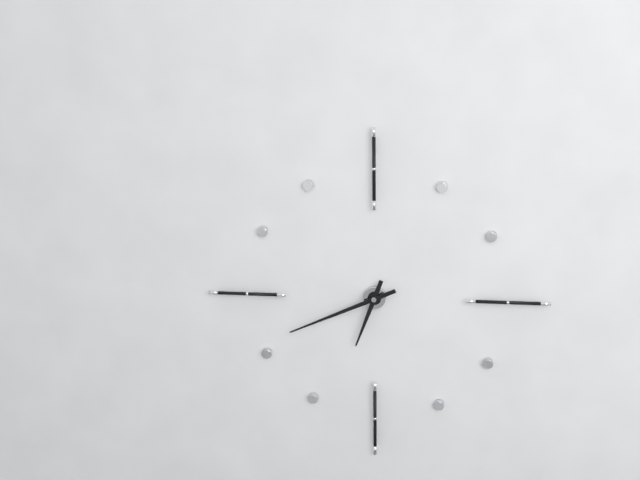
6:41
